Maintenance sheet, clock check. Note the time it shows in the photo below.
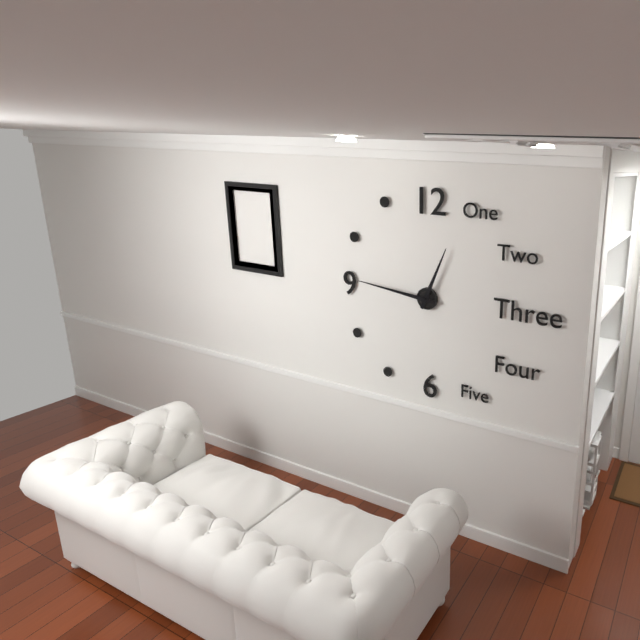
12:46
